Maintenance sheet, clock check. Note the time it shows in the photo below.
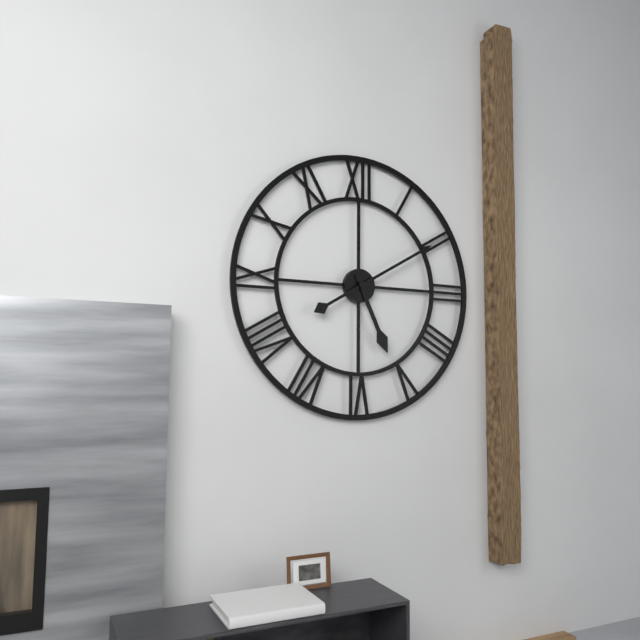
5:10
